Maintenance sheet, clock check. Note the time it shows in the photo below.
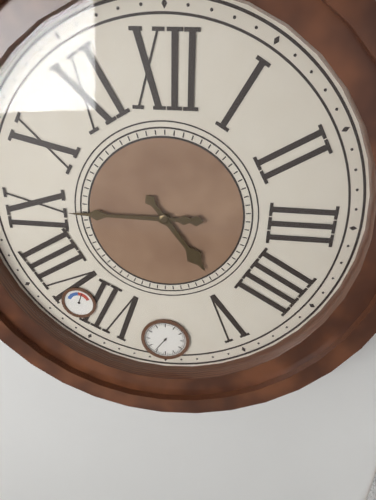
4:45
